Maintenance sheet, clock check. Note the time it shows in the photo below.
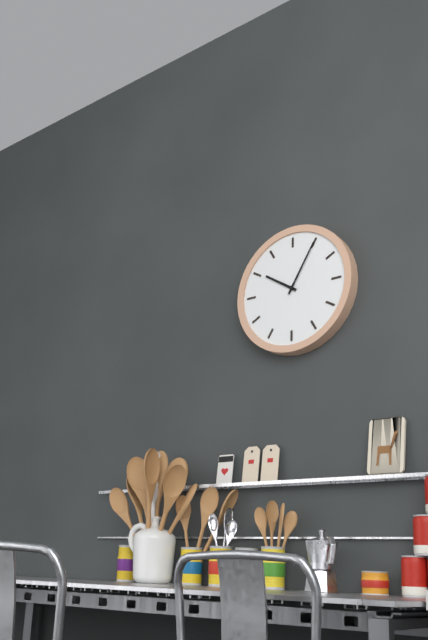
10:05
